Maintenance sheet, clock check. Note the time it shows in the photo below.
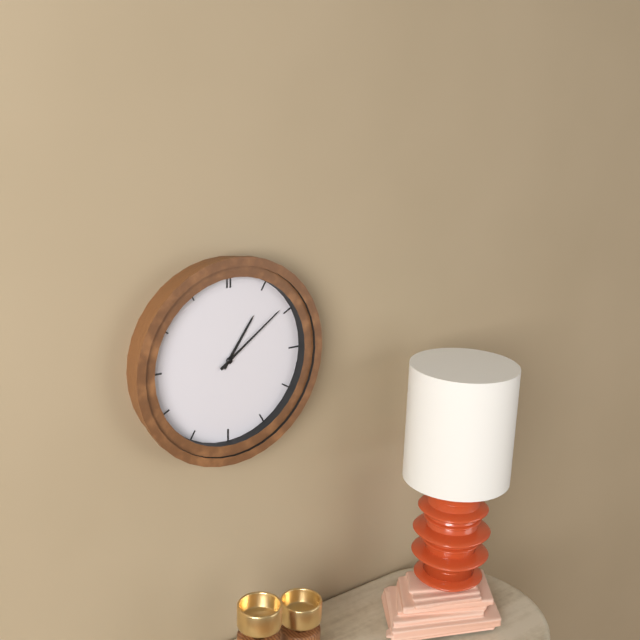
1:09
